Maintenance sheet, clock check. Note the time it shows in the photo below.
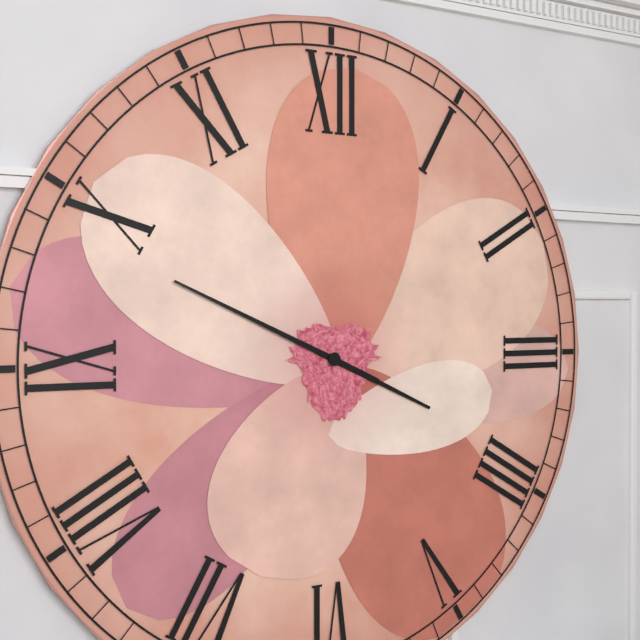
3:49
